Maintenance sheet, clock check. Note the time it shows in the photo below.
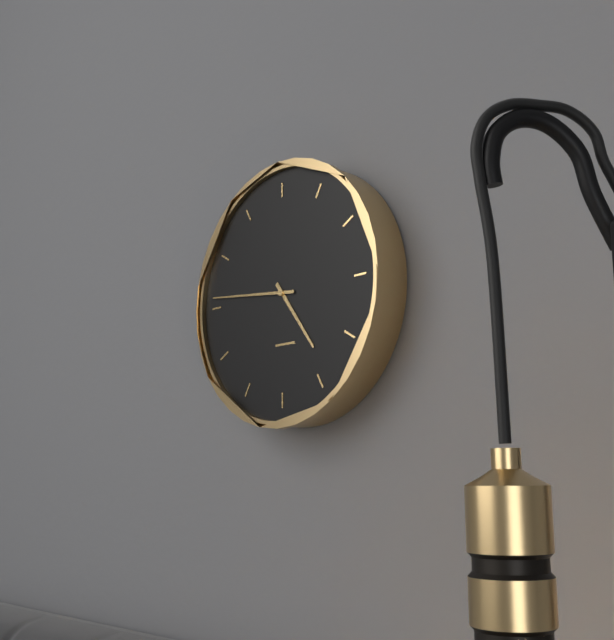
4:46
